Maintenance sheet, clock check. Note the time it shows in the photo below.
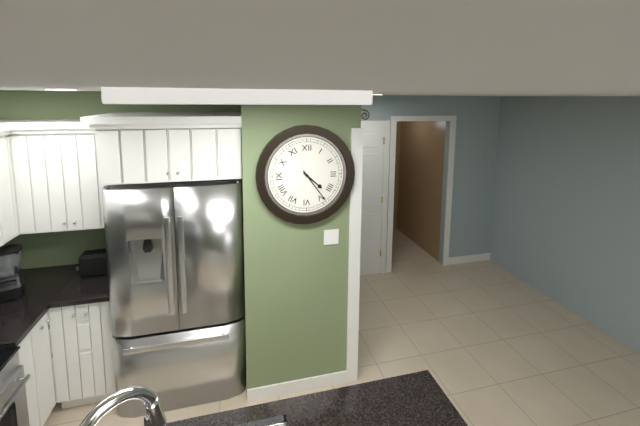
4:24
